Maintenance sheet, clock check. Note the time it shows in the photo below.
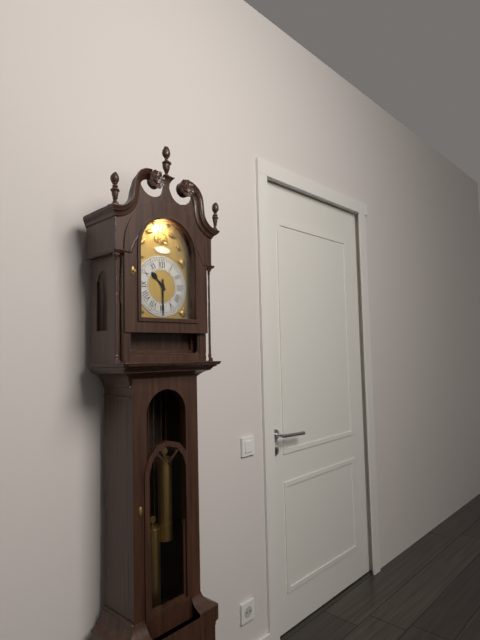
10:30
